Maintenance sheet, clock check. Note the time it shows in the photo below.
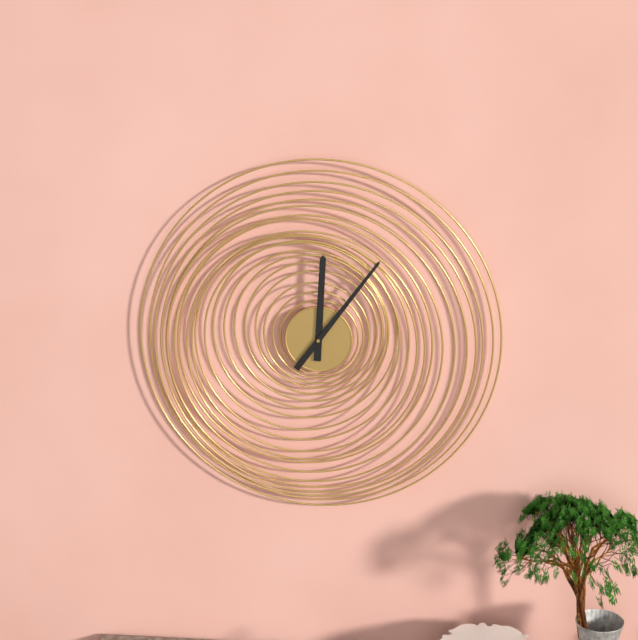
12:06
